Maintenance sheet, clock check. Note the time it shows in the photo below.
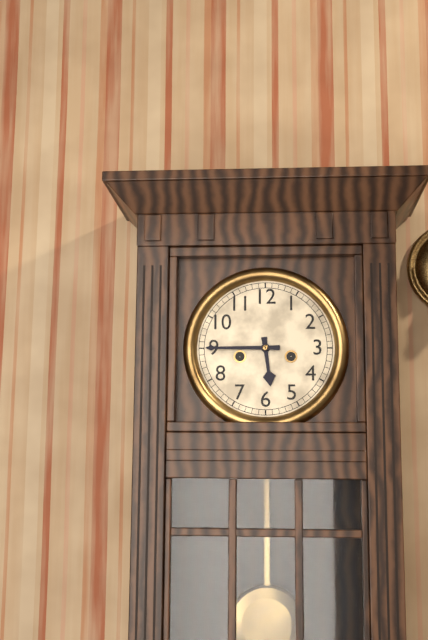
5:45
